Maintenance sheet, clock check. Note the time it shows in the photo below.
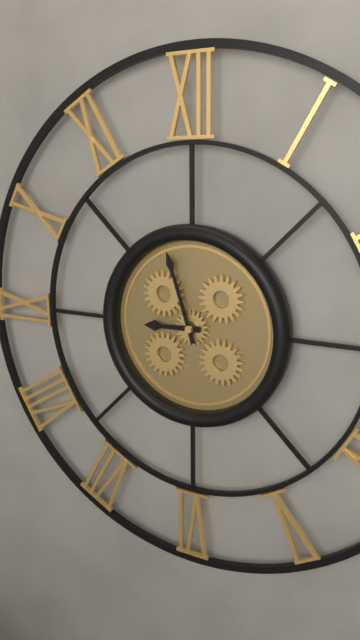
8:57
